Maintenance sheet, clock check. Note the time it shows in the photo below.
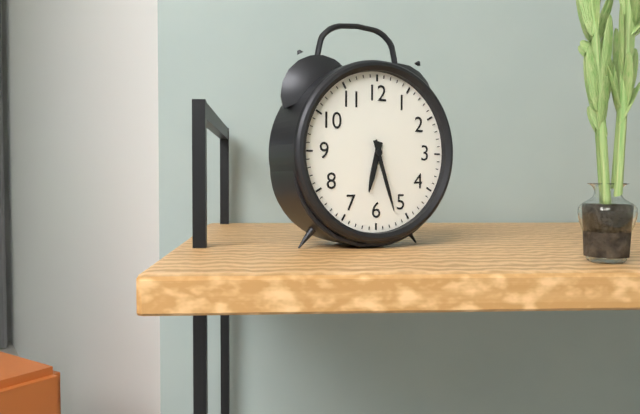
6:27
